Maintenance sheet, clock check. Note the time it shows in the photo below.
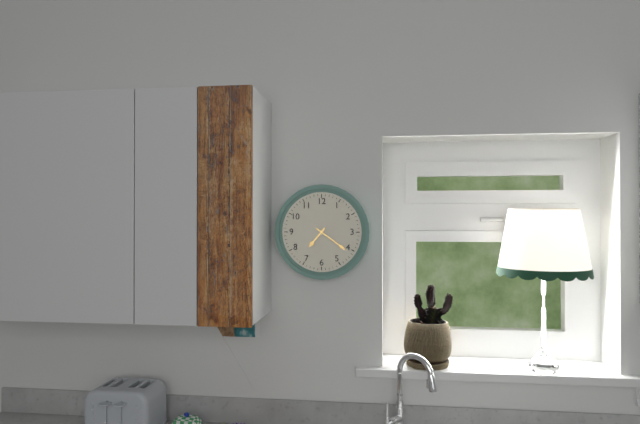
7:21
